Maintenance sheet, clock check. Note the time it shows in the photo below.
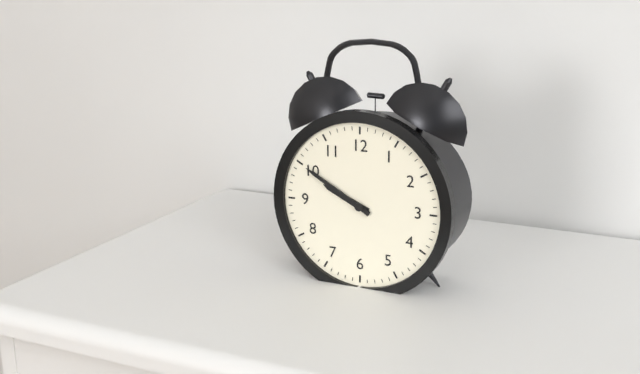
9:50
